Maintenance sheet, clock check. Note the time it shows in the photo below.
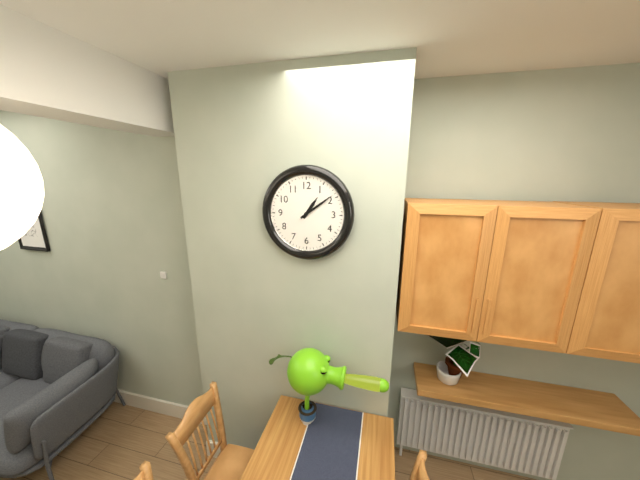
1:09
